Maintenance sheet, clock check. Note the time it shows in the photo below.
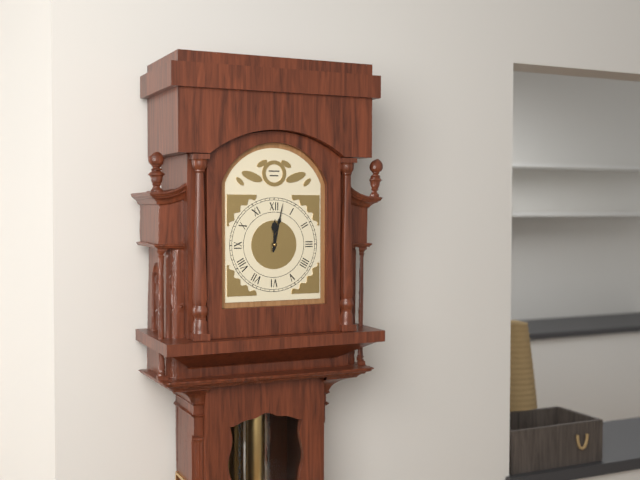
12:02
